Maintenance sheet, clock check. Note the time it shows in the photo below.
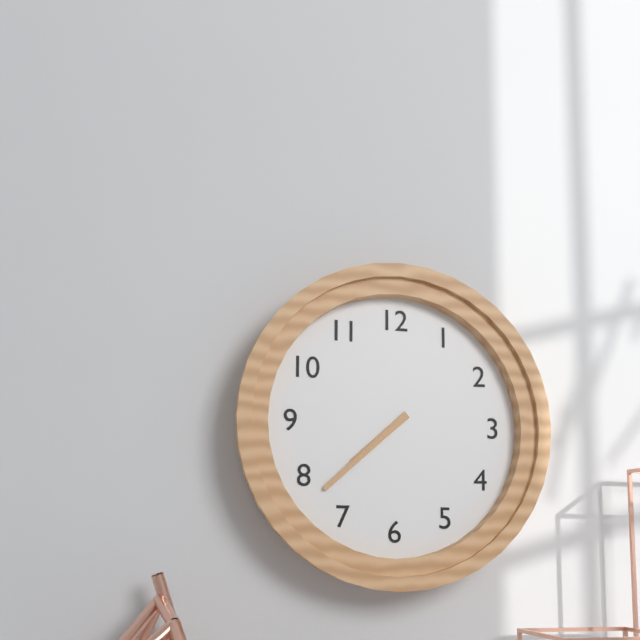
7:38
